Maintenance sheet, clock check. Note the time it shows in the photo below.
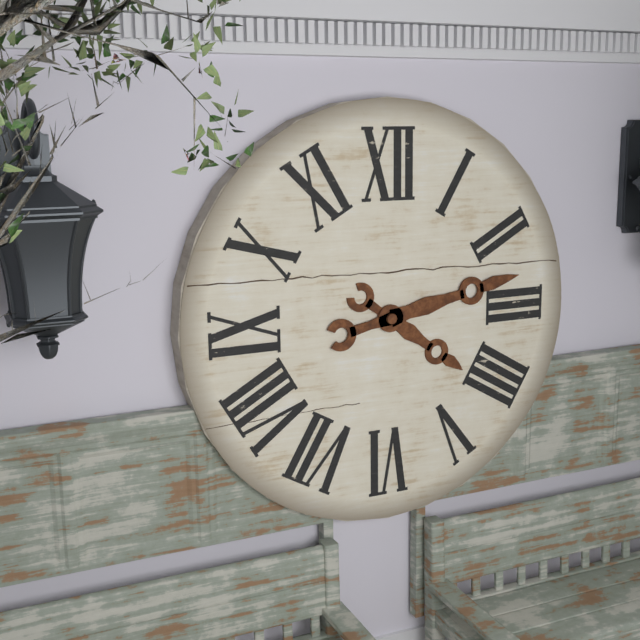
4:13
